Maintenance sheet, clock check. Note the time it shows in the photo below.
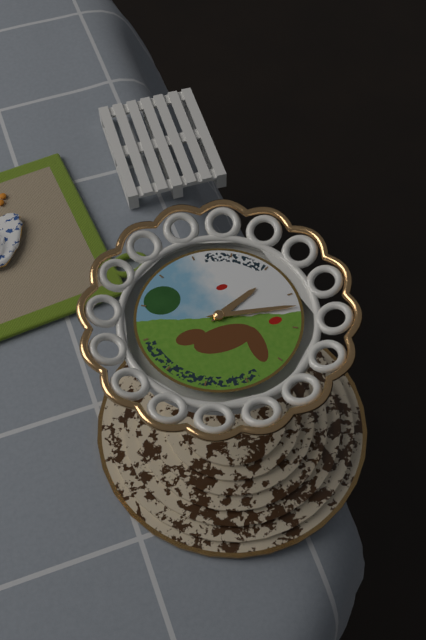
2:17
